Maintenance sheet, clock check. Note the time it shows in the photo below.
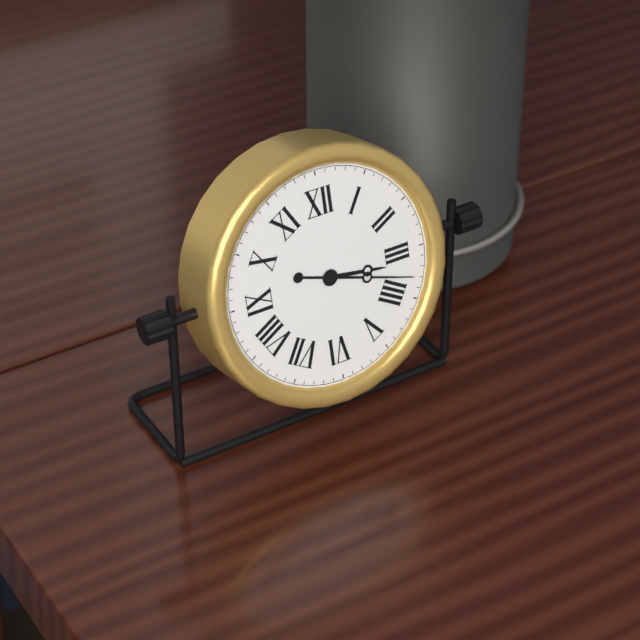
3:18
